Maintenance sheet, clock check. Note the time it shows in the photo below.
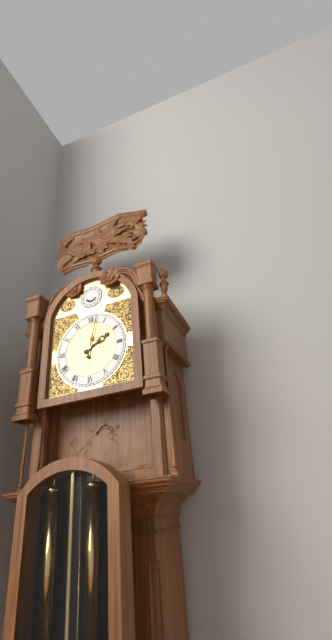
2:02
